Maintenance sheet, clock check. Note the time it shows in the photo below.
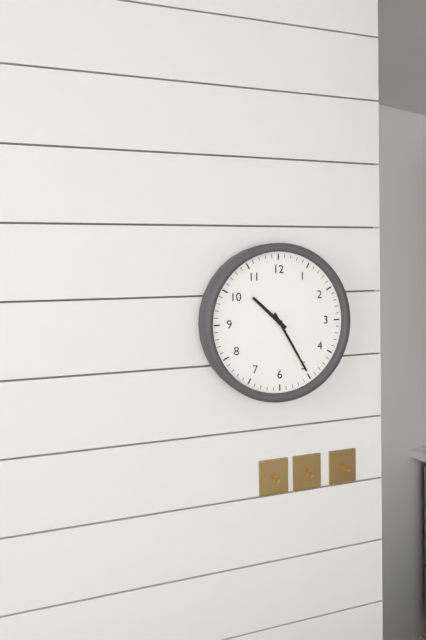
10:25
